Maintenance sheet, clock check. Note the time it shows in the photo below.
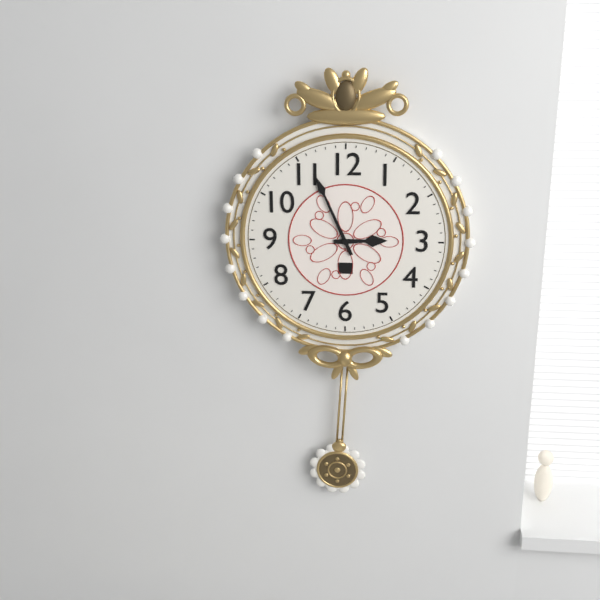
2:56
